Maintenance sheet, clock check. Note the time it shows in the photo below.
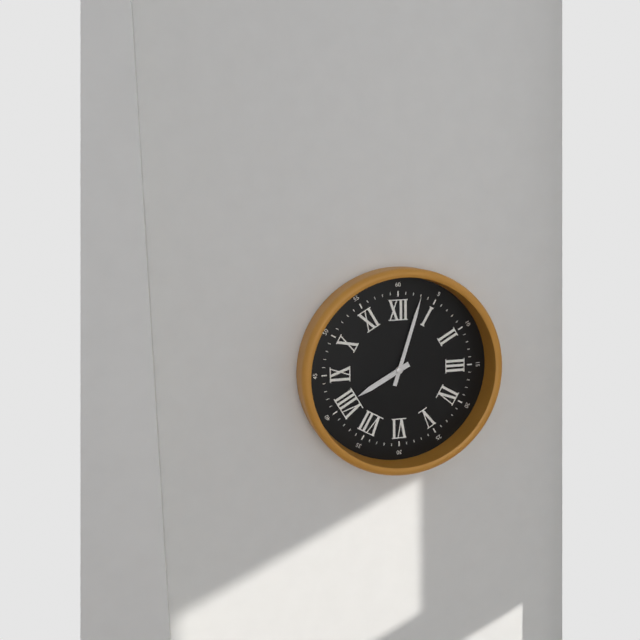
8:03
